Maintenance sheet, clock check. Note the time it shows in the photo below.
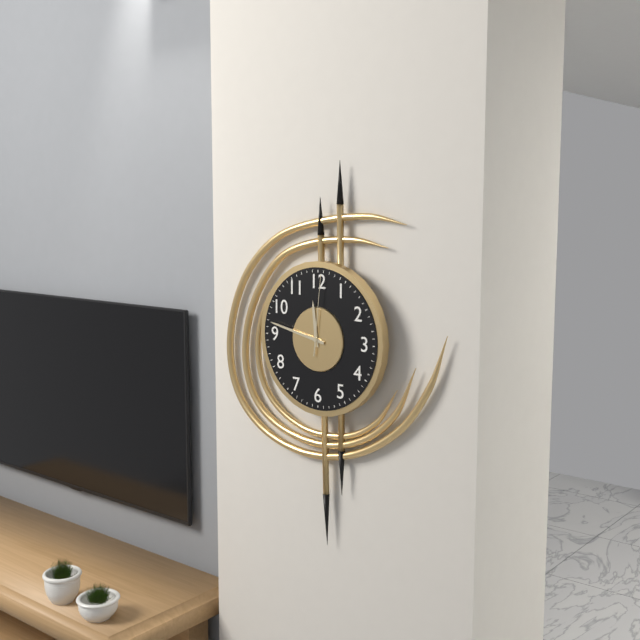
11:47:01
